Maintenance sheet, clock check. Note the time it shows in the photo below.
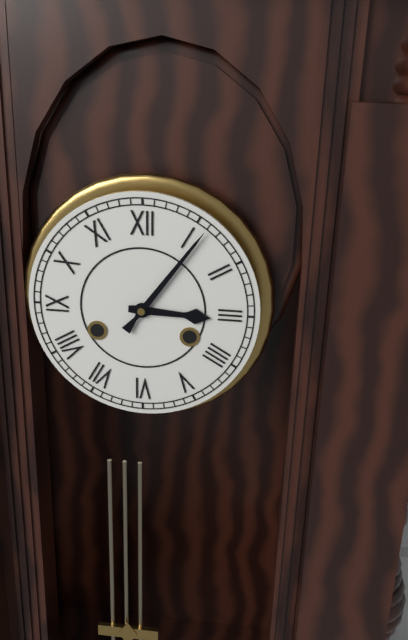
3:06
